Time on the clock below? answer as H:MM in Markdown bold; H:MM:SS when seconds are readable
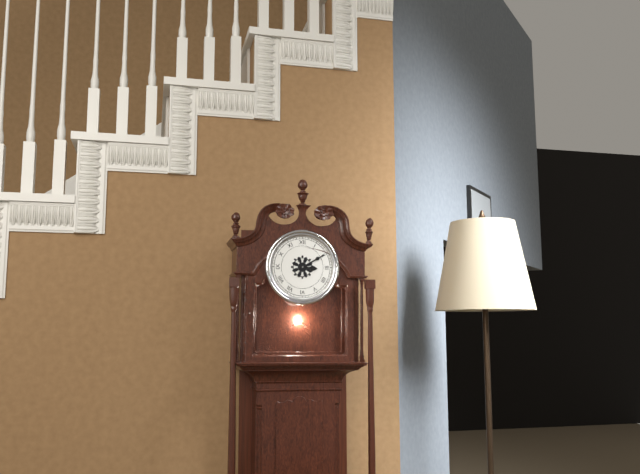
**3:10**
